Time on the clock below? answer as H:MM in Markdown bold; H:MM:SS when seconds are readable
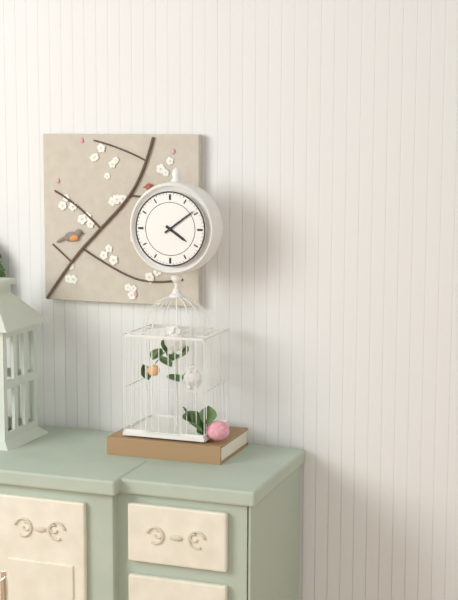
**4:09**
